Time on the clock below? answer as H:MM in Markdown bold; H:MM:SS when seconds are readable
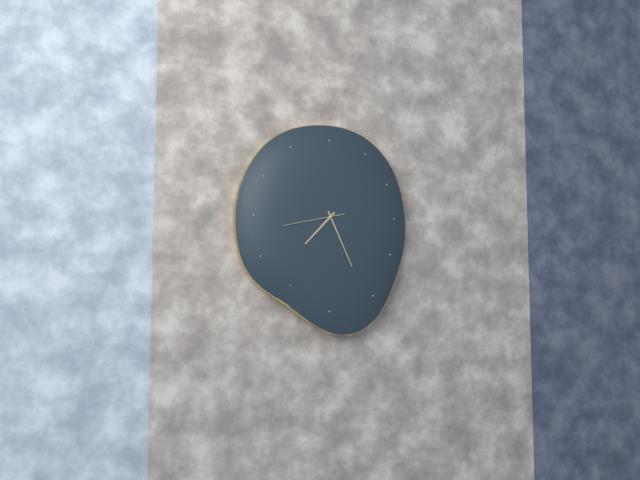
**7:26:43**
